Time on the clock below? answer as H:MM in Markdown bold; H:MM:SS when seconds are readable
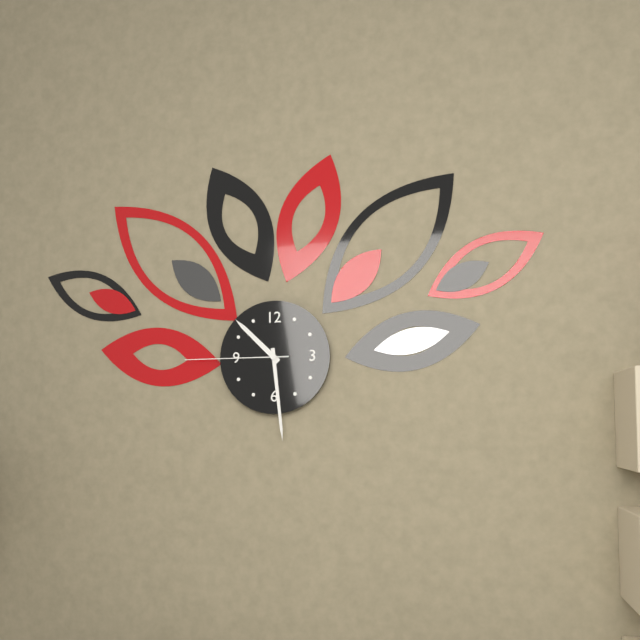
**10:29:45**
